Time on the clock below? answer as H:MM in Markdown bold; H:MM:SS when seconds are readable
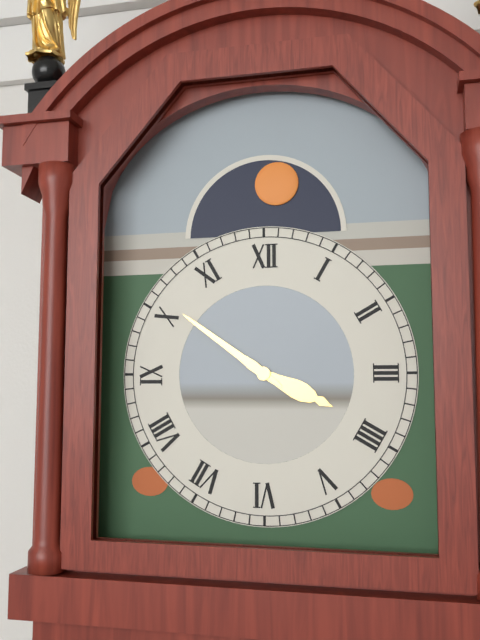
**3:51**
